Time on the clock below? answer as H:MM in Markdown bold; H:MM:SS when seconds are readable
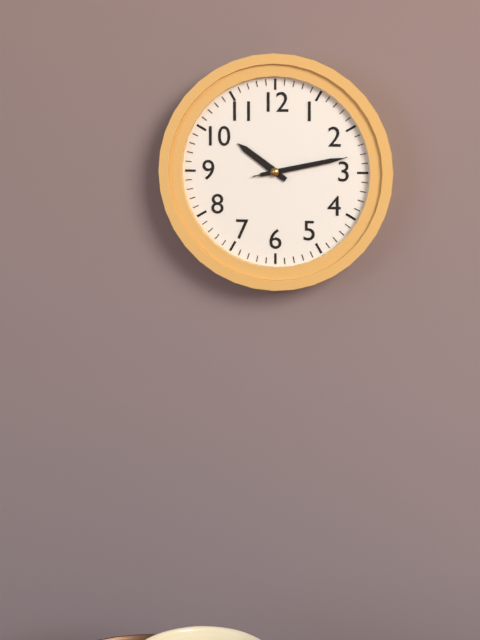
**10:13:13**
